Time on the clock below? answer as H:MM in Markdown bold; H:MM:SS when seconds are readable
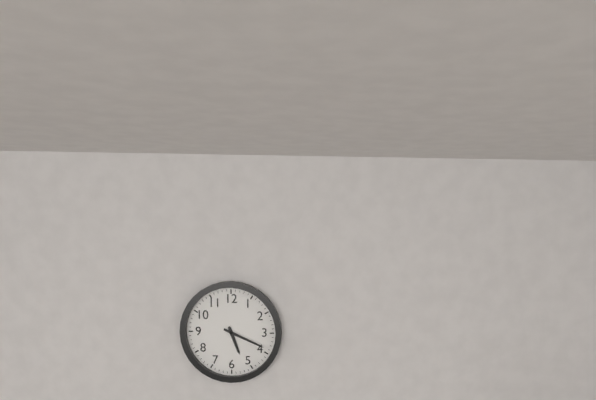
**5:19**
